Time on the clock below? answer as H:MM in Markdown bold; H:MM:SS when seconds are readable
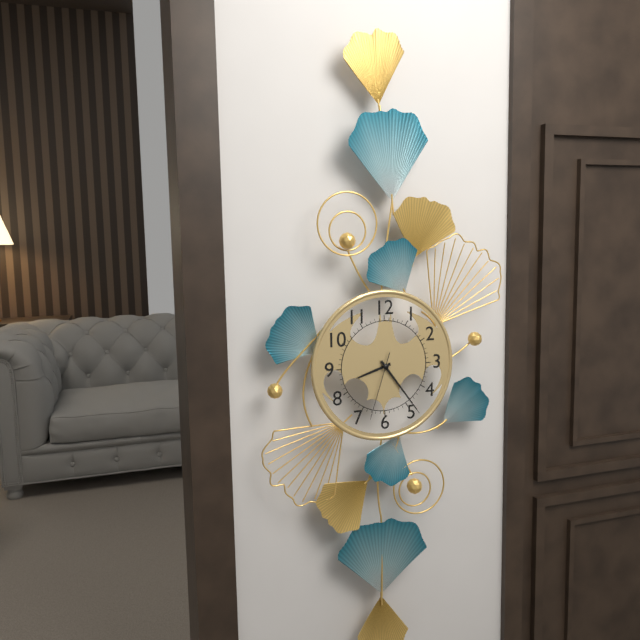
**8:24:33**
